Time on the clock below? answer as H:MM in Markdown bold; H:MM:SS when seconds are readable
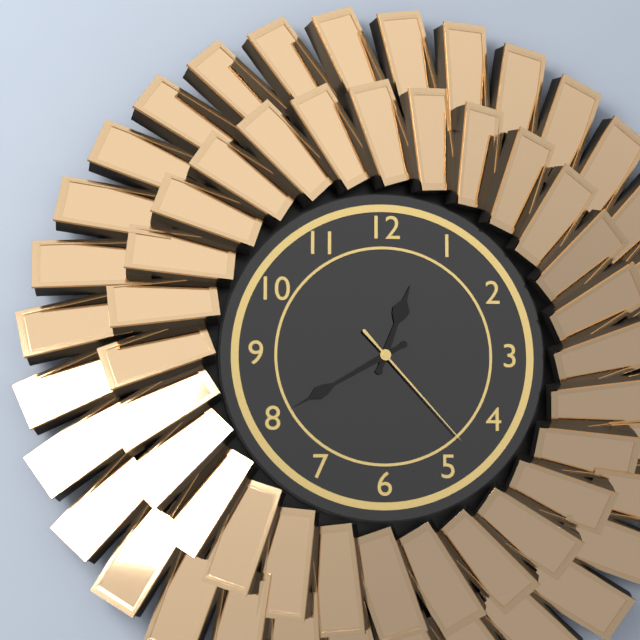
**12:40:23**
